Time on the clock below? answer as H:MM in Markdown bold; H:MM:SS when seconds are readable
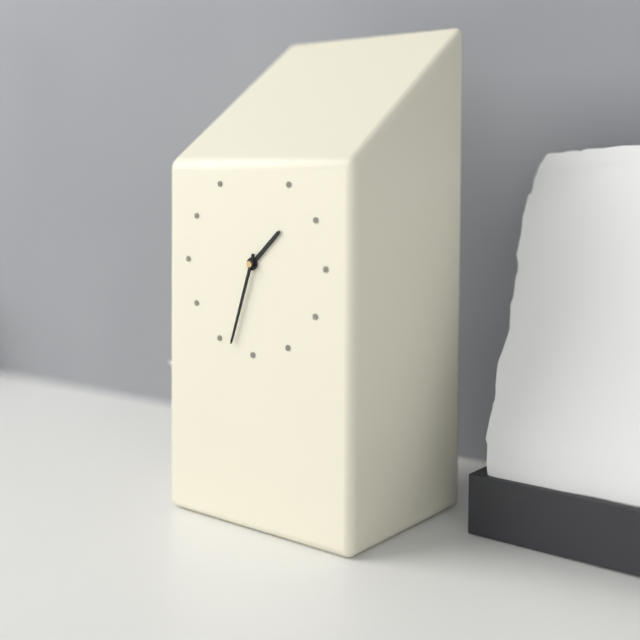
**1:33**
